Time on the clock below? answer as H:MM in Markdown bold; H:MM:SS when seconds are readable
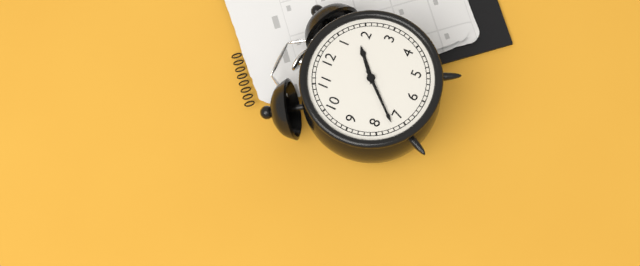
**1:37**
